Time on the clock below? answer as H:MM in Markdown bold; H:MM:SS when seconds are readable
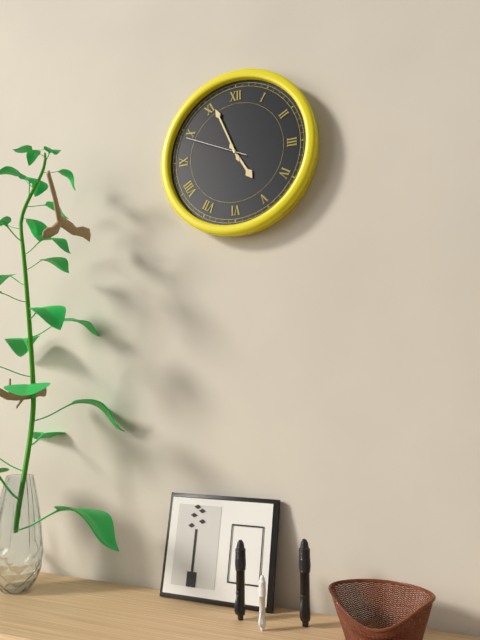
**4:56:49**
